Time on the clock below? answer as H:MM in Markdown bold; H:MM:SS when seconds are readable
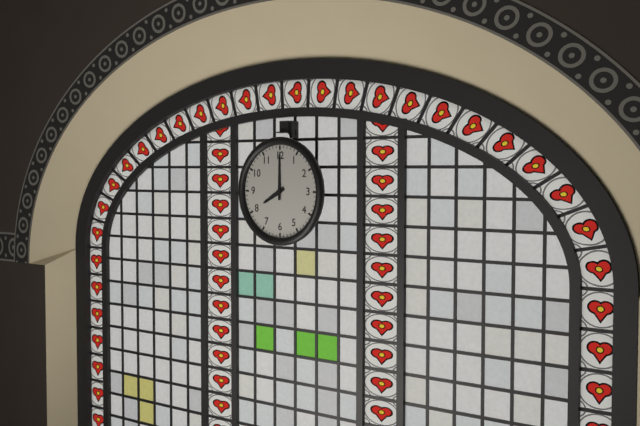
**8:00**
